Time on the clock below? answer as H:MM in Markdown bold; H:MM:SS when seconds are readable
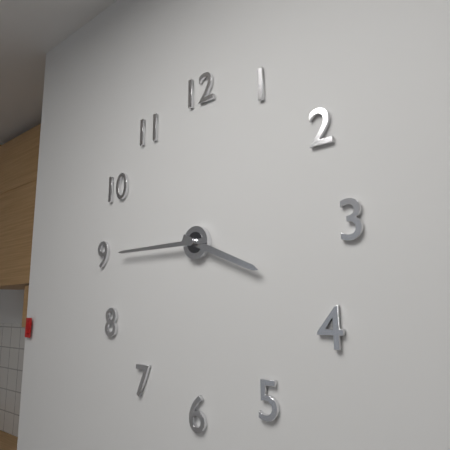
**3:45**
